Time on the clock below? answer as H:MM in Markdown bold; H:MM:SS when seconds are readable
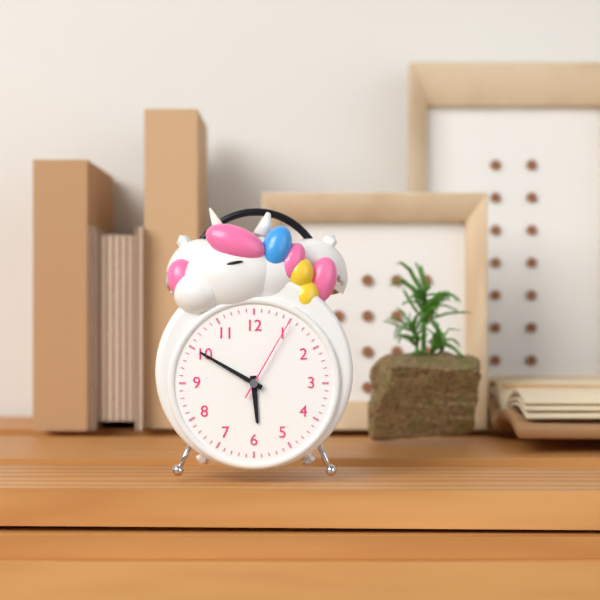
**5:50:05**
